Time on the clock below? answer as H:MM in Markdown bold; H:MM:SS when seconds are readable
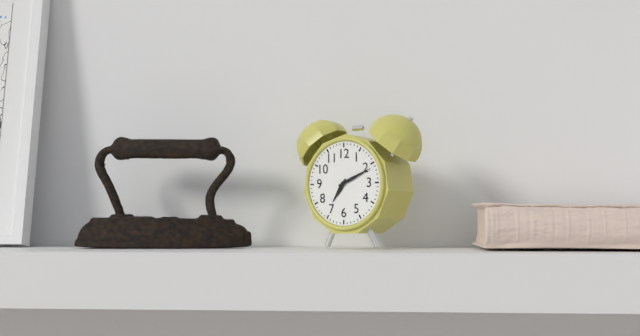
**7:11**
